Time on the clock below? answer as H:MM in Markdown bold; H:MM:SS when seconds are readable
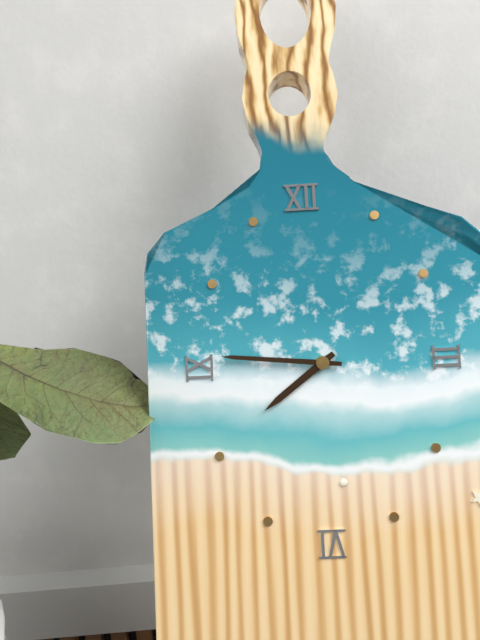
**7:46**
